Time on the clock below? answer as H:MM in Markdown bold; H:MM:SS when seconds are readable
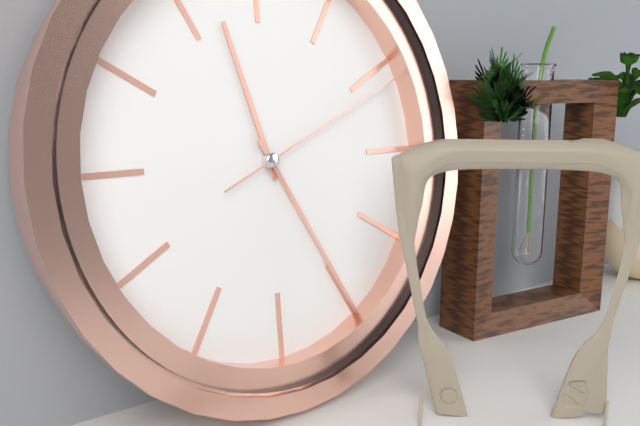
**11:25:11**
